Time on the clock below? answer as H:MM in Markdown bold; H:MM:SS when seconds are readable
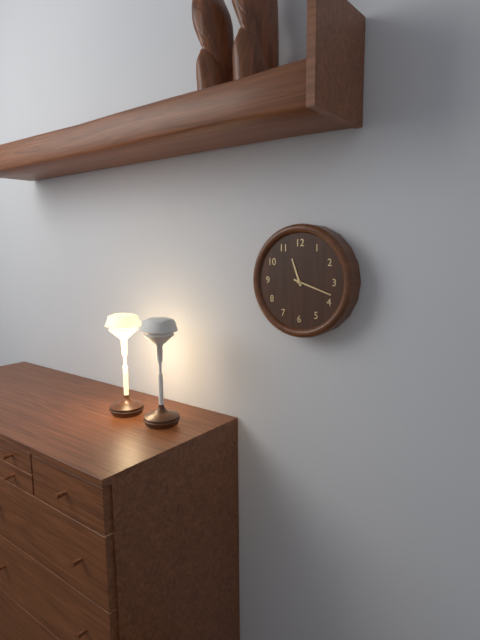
**11:18**
